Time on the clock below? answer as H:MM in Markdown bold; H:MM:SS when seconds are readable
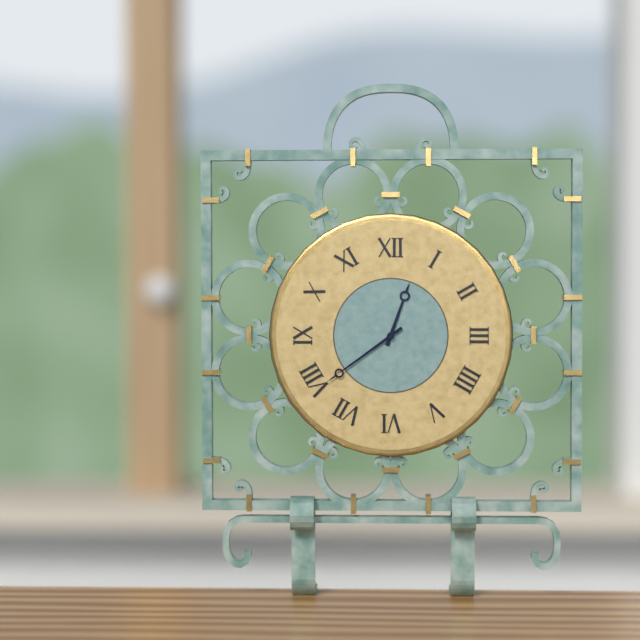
**12:39**
